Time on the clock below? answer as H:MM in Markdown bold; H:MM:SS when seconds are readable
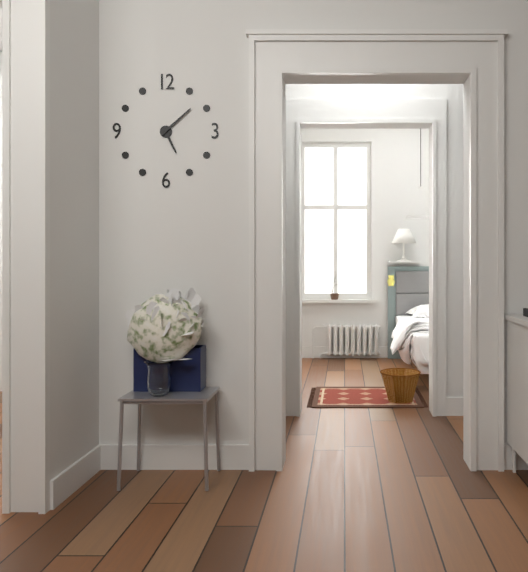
**5:08**
